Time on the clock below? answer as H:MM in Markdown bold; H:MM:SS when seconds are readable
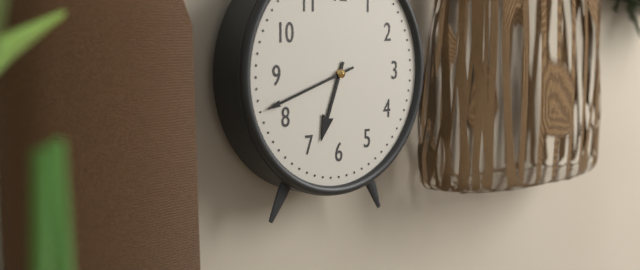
**6:42**
